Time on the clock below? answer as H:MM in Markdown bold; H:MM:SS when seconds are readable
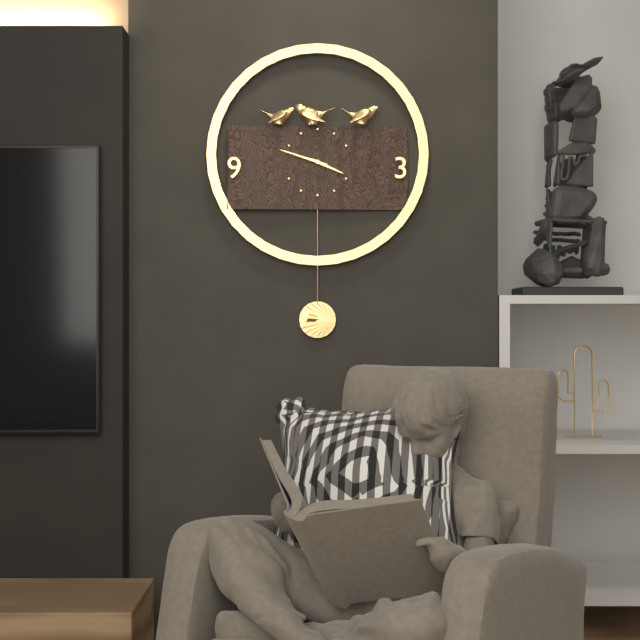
**3:48**
